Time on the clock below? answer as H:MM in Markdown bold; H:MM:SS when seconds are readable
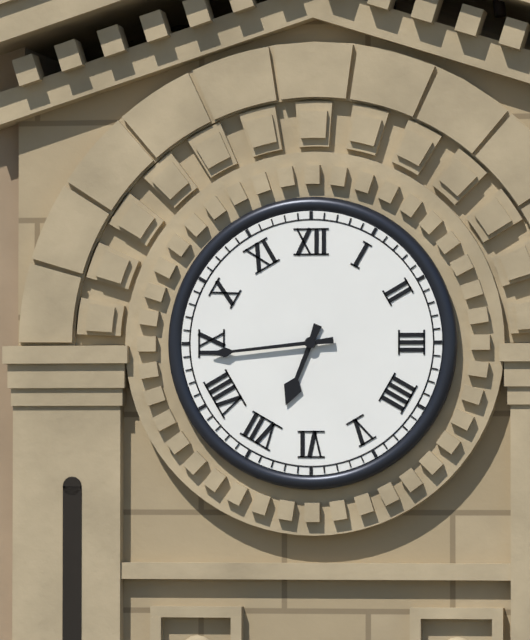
**6:44**
